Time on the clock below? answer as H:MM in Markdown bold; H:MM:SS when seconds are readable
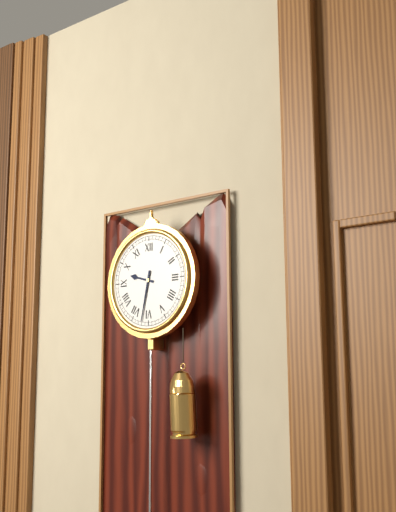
**9:32**
